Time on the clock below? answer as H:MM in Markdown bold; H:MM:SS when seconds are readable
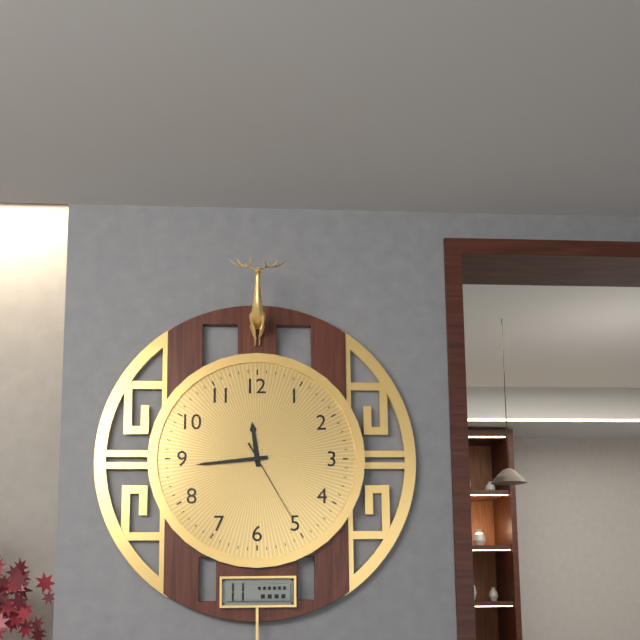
**11:44:25**
